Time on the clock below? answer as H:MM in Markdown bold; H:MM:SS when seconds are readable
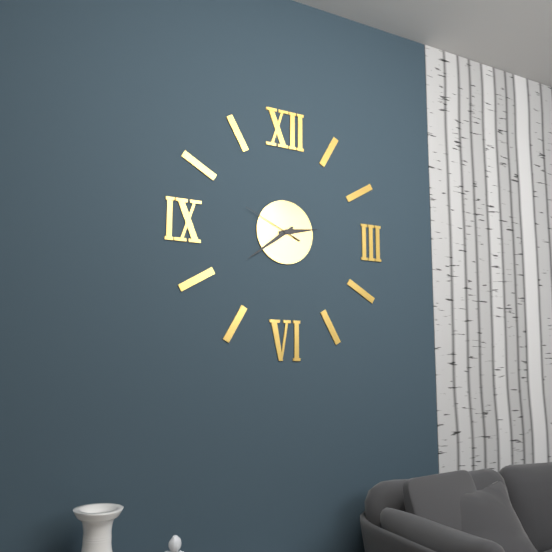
**2:39:49**
